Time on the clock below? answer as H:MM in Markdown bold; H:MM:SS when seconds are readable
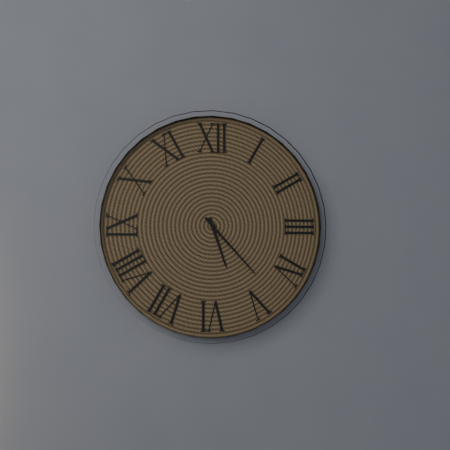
**5:23**
